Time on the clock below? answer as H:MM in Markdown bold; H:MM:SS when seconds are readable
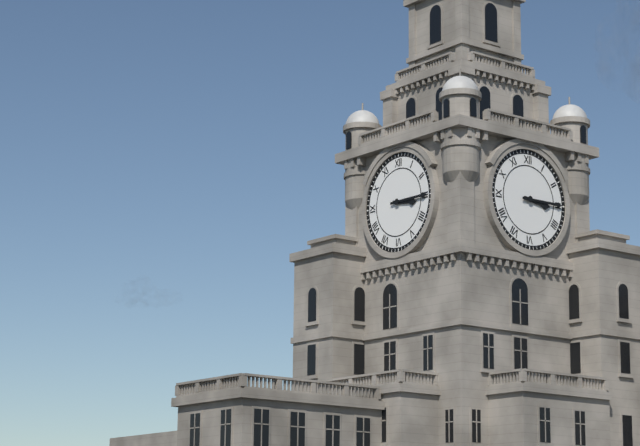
**3:15**
